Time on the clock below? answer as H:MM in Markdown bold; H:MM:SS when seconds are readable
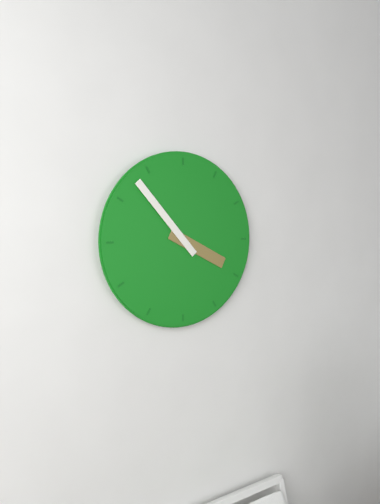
**3:53**
